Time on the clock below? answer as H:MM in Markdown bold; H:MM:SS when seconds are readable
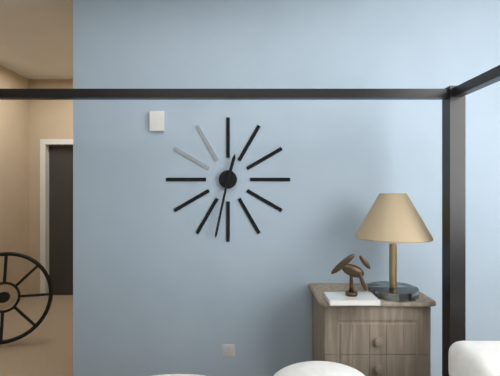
**12:32**
